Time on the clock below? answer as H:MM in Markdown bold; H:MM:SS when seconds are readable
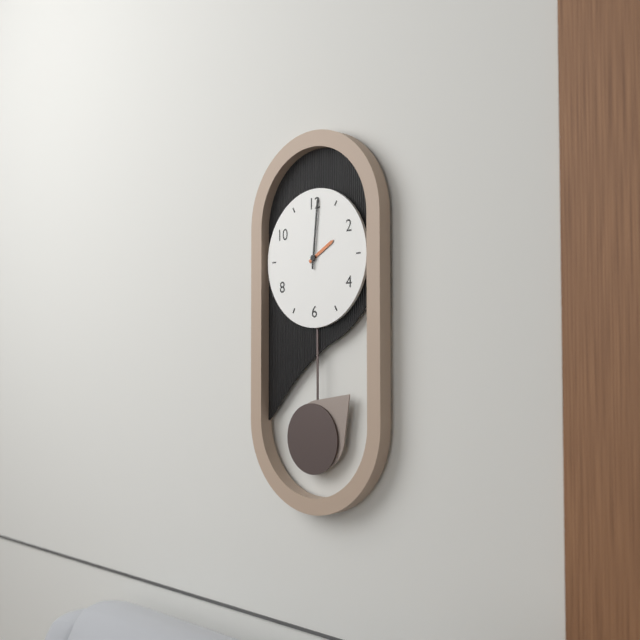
**2:01**
